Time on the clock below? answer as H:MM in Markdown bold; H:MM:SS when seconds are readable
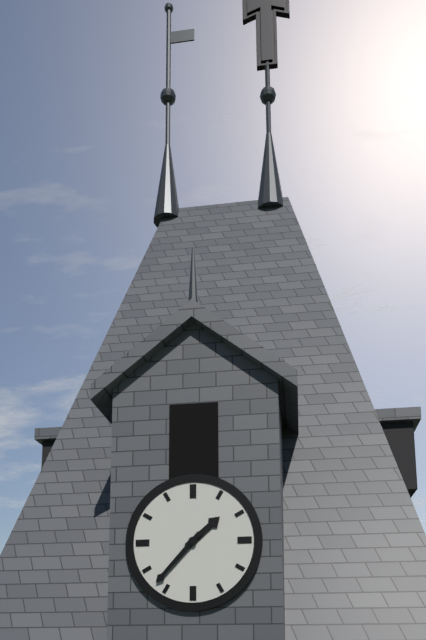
**1:37**
